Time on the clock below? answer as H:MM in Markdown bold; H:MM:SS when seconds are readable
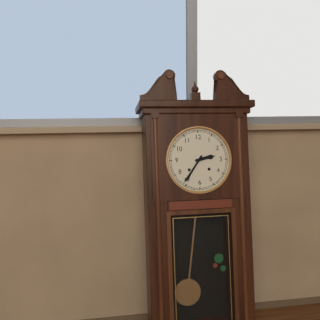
**2:36**
